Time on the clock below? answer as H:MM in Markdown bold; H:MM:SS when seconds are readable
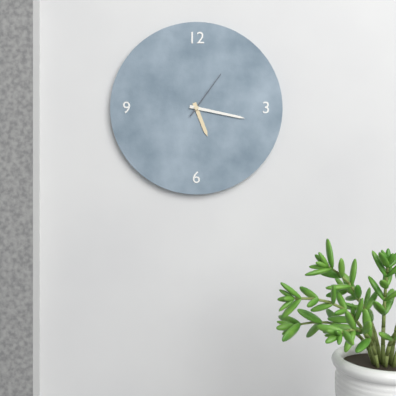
**5:17:06**
